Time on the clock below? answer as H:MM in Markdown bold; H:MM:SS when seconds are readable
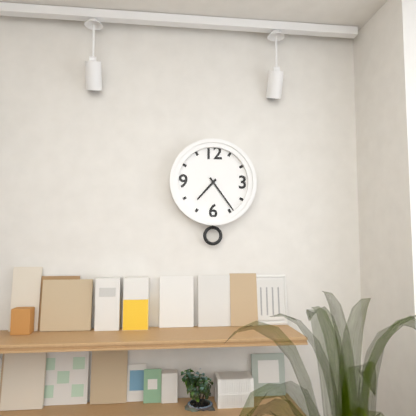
**7:24**
